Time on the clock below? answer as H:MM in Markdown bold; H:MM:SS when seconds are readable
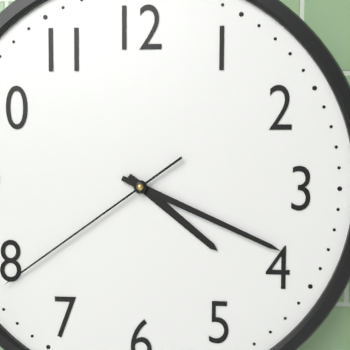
**4:19:39**
